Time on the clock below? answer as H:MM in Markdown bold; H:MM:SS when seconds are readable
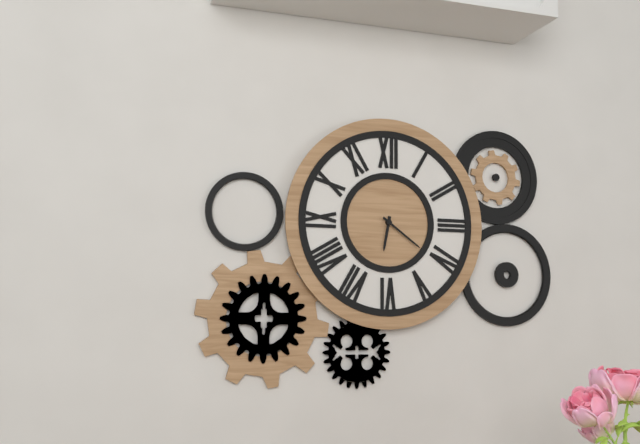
**6:21**
